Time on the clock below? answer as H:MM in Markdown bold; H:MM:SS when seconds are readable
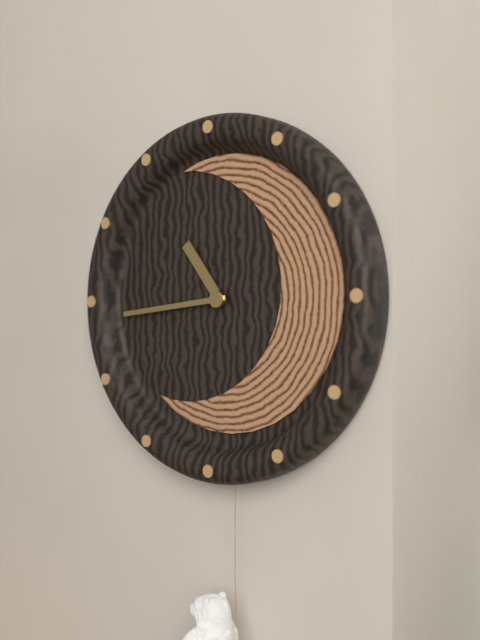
**10:44**
